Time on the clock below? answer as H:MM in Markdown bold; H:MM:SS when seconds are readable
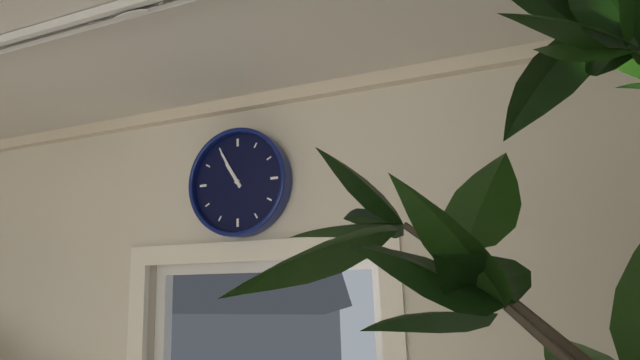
**10:55**
